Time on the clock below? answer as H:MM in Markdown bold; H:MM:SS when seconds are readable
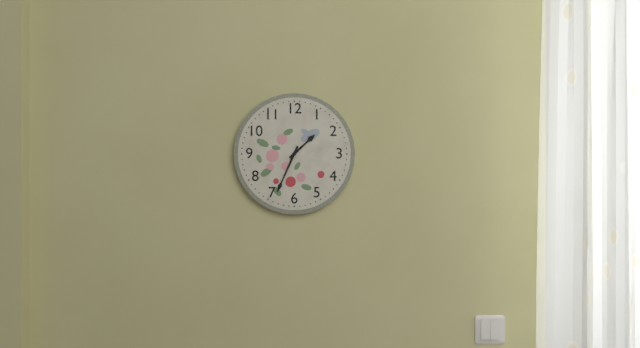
**1:34**
